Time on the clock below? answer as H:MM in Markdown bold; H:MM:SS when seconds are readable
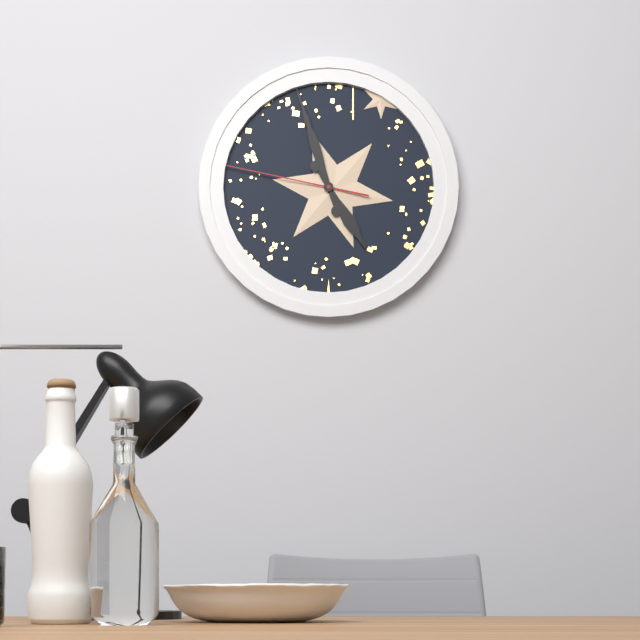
**4:57:47**
